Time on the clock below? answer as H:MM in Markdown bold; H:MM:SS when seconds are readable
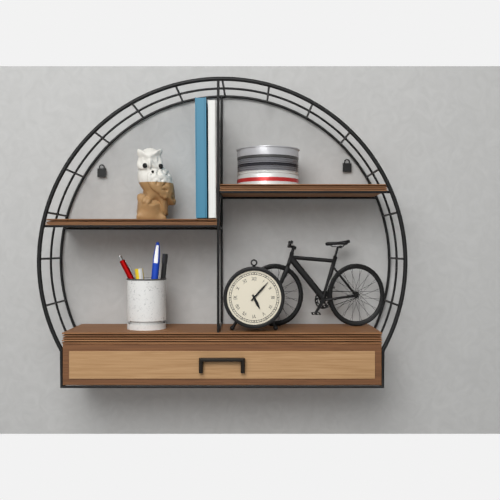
**5:07**
